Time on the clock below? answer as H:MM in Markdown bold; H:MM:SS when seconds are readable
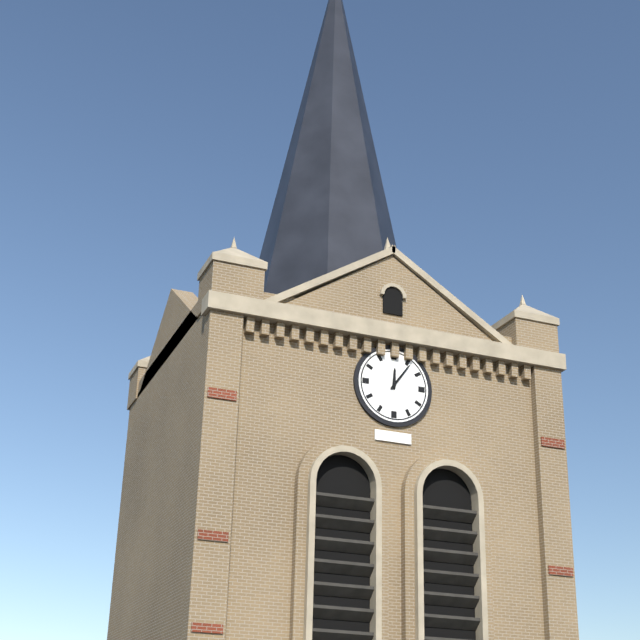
**12:06**
